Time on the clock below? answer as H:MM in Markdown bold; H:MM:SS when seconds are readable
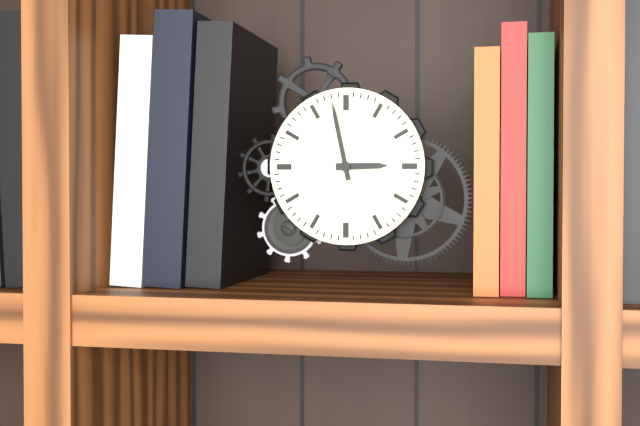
**2:58**
